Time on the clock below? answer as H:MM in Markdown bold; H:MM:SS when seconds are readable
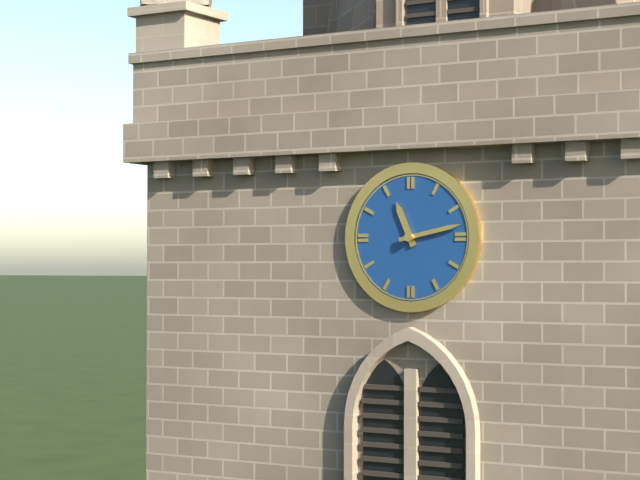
**11:13**
